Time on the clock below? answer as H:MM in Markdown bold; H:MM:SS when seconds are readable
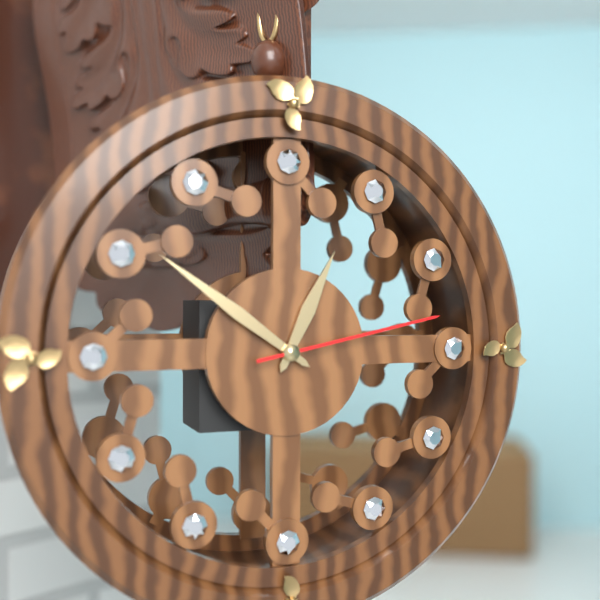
**12:51:13**
